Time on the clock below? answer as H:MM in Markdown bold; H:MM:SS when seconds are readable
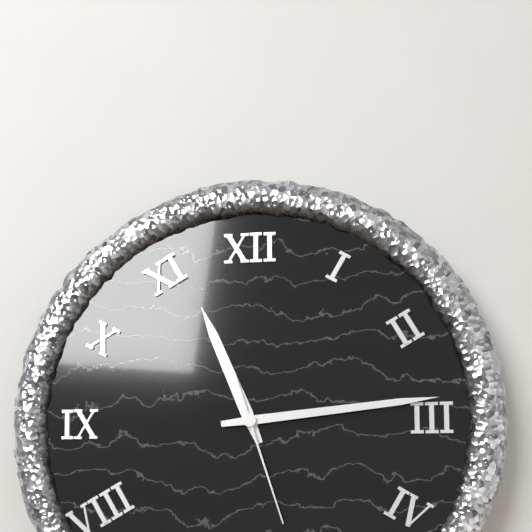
**11:14:27**
